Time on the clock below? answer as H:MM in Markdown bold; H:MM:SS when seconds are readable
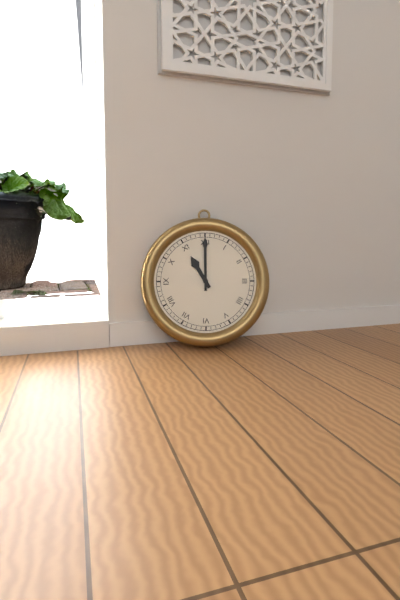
**11:00**
